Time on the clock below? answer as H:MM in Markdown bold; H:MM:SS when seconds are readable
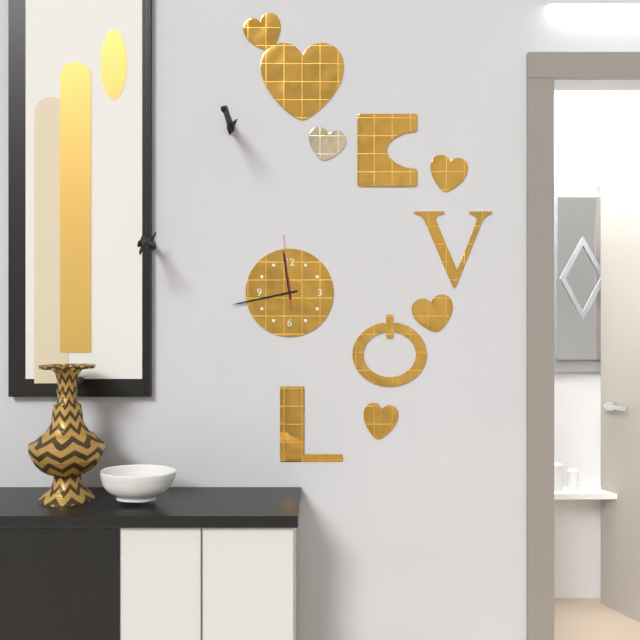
**11:43:59**
